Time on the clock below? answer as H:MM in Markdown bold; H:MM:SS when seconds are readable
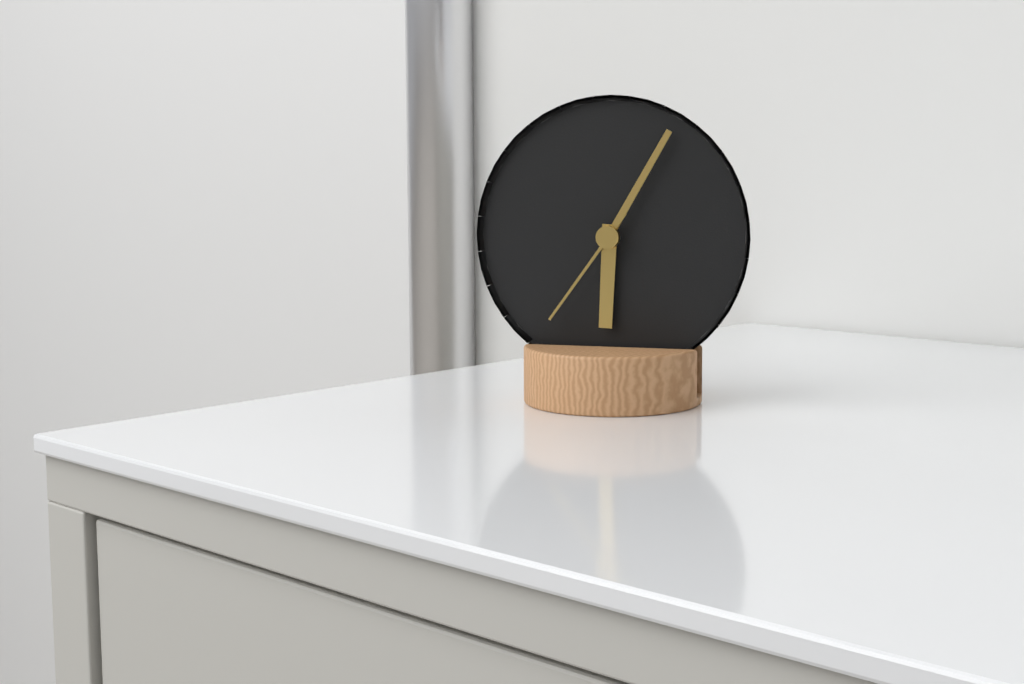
**6:05:36**
